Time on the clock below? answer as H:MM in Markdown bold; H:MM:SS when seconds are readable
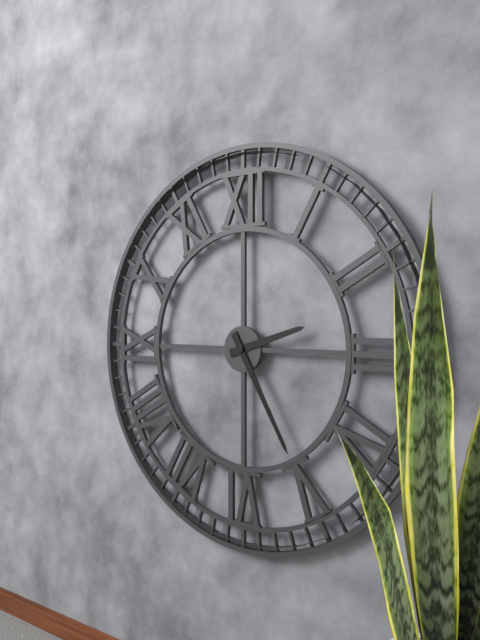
**2:25**
